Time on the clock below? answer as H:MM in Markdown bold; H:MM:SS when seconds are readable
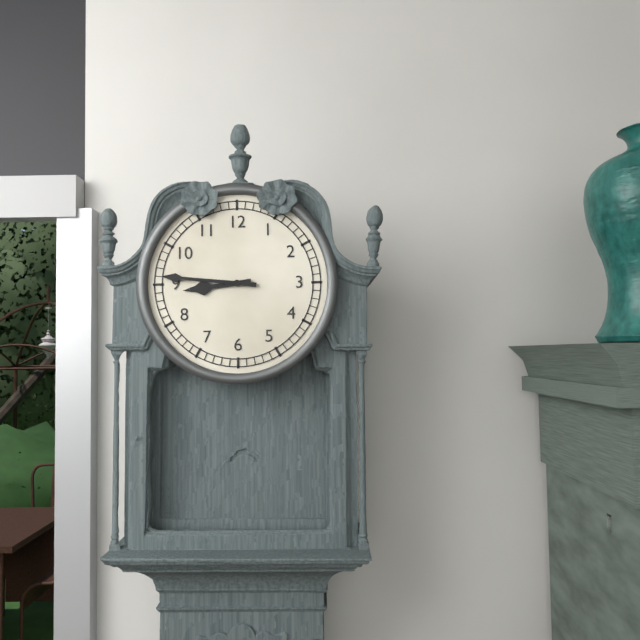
**8:46**
